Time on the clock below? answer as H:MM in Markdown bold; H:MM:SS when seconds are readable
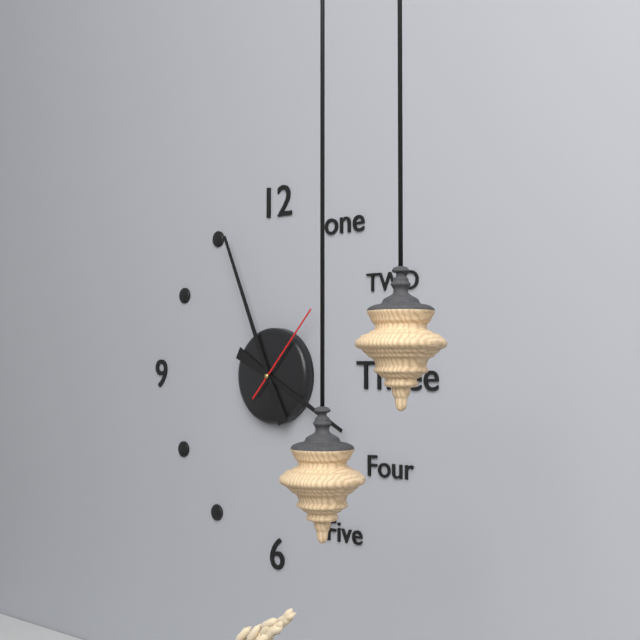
**3:56:07**
